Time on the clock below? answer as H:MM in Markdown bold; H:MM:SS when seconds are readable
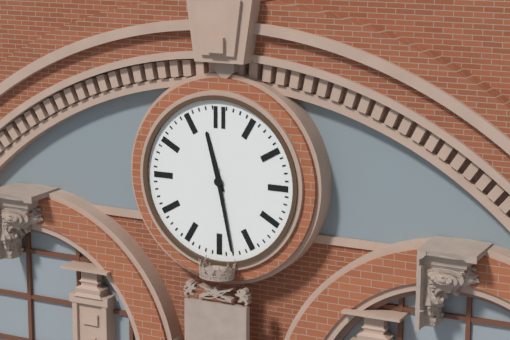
**11:28**
